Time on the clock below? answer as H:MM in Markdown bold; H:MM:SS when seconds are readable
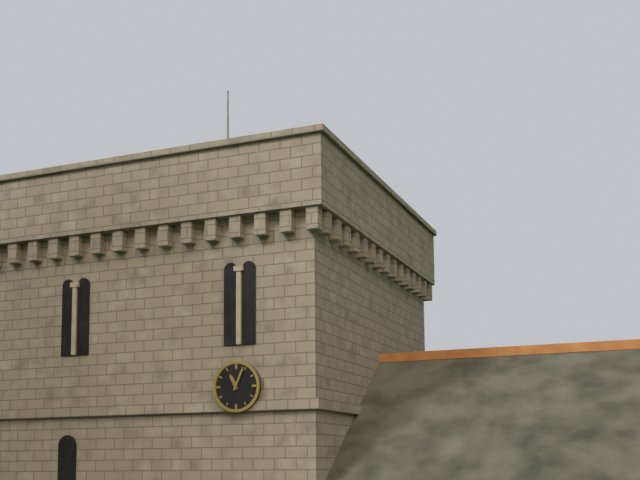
**11:04**
